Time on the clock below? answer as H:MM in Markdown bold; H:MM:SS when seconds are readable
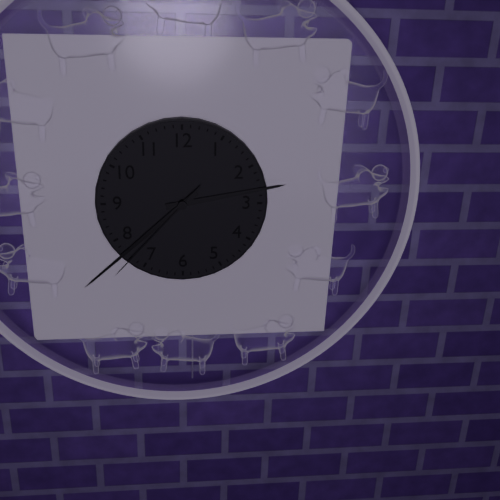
**2:38:37**
